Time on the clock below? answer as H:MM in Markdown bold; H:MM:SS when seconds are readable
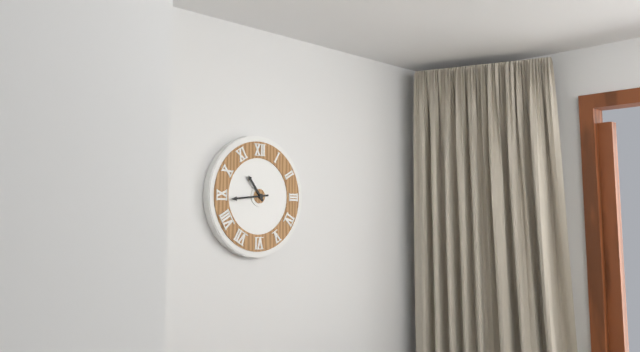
**10:44**
